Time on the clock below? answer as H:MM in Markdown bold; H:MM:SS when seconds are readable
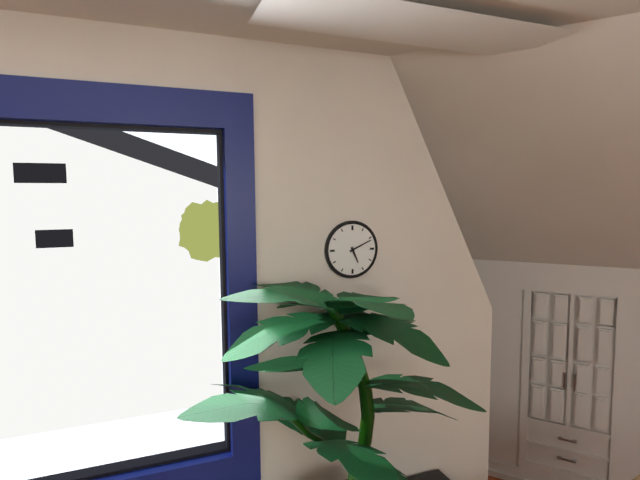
**5:11**
